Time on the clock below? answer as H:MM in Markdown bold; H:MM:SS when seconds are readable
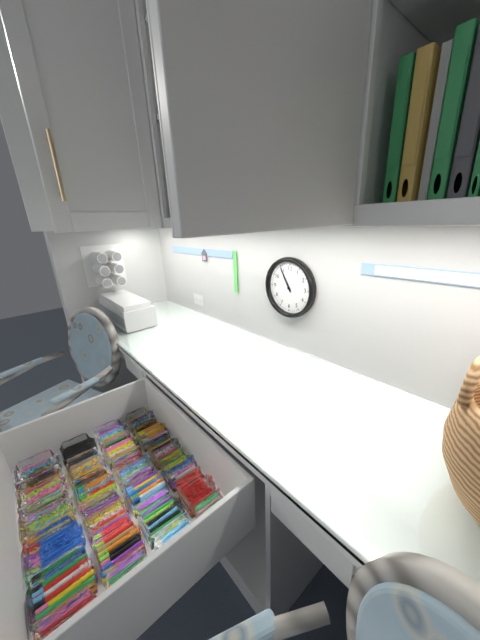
**10:55**
